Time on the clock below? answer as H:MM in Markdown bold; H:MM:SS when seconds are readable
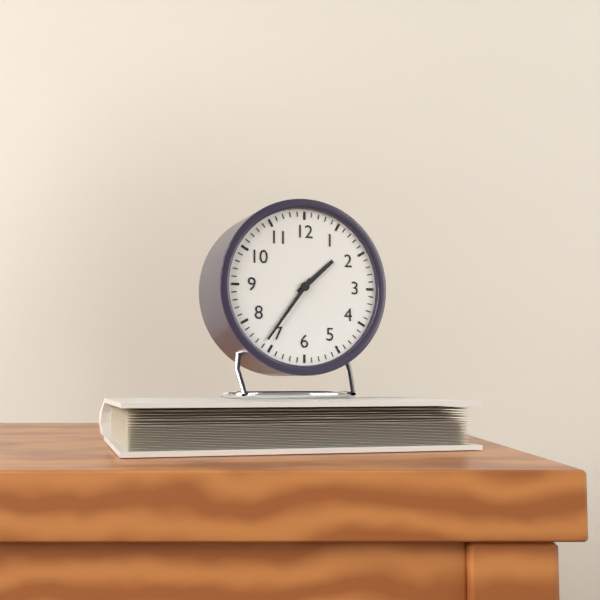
**1:36**
